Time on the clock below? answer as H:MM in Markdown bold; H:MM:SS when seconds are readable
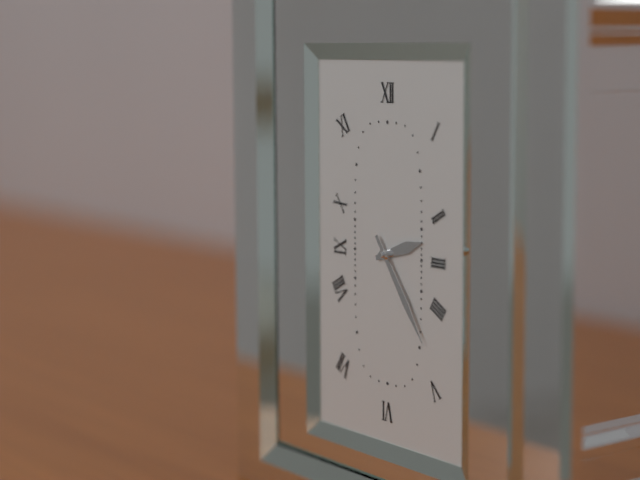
**2:24**
